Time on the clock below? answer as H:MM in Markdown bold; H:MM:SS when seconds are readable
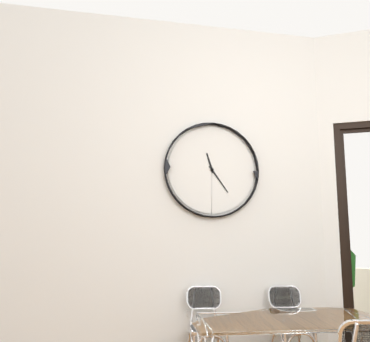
**11:24**
